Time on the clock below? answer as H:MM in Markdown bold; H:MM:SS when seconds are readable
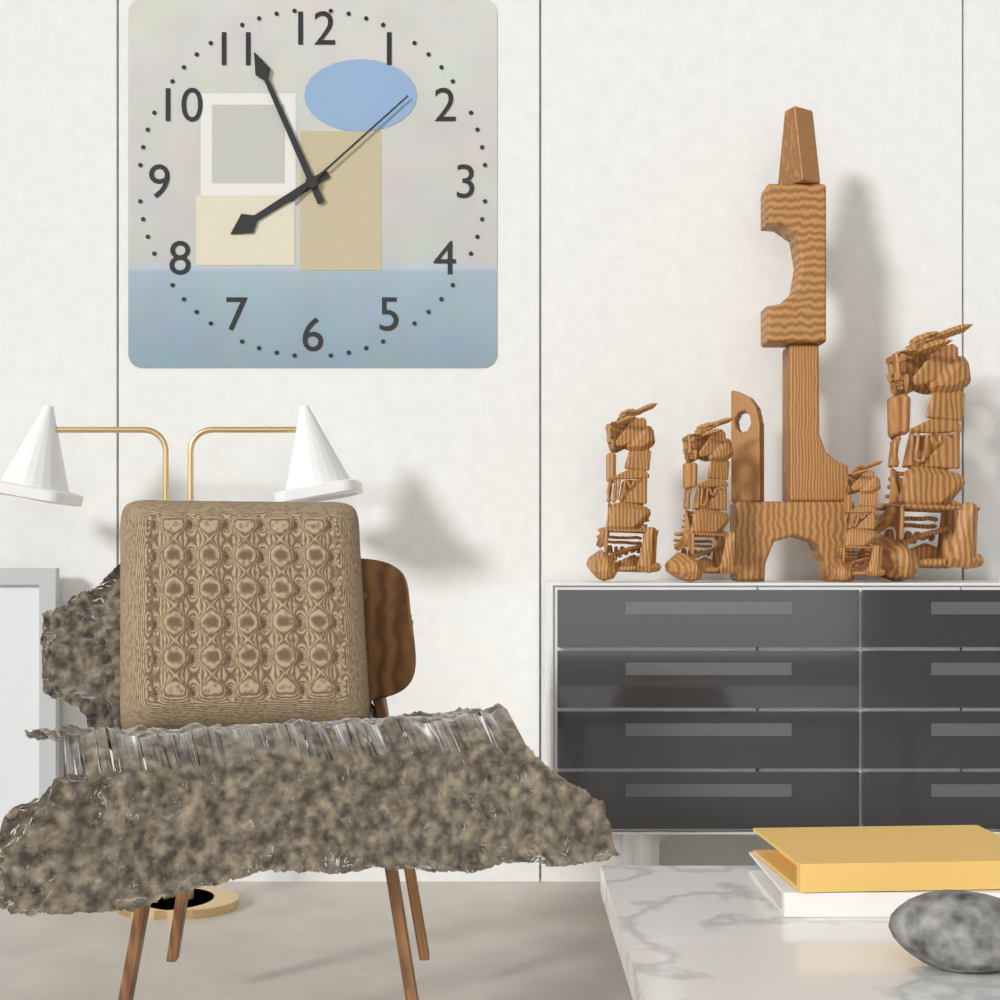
**7:56:08**
